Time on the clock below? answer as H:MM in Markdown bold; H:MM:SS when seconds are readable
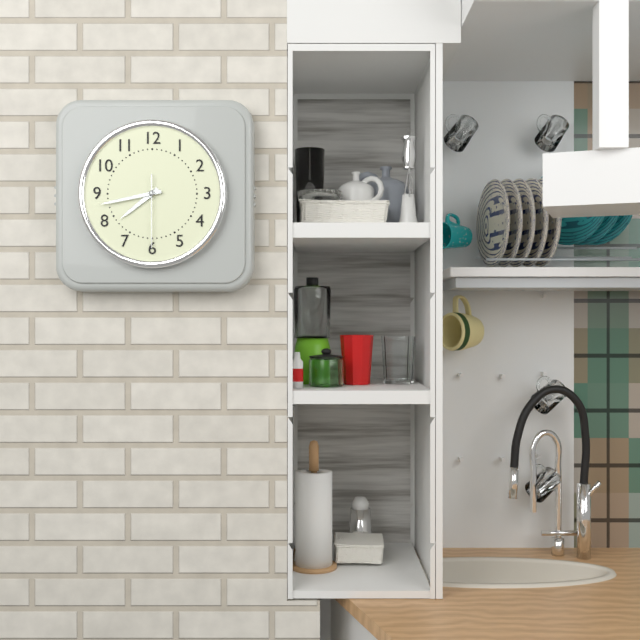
**7:43:30**
